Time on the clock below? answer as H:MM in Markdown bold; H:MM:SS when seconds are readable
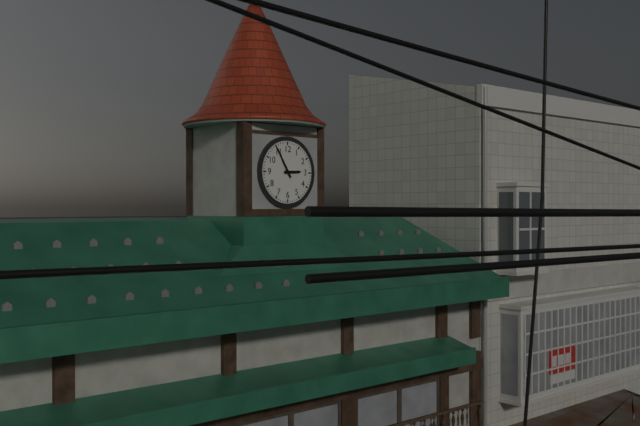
**2:55**
